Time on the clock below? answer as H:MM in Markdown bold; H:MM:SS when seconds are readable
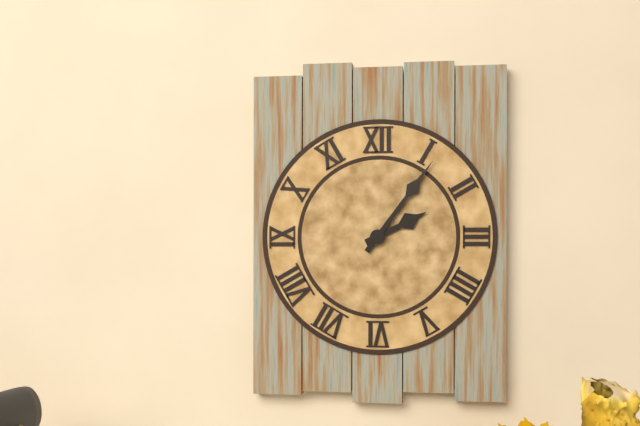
**2:06**
